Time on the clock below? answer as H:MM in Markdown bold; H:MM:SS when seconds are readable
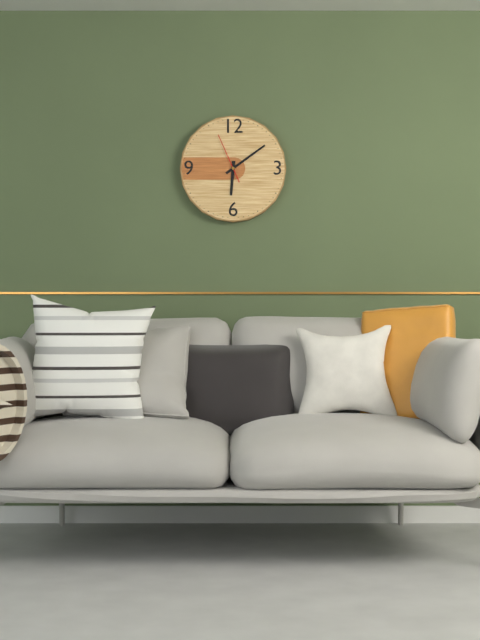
**6:09**
